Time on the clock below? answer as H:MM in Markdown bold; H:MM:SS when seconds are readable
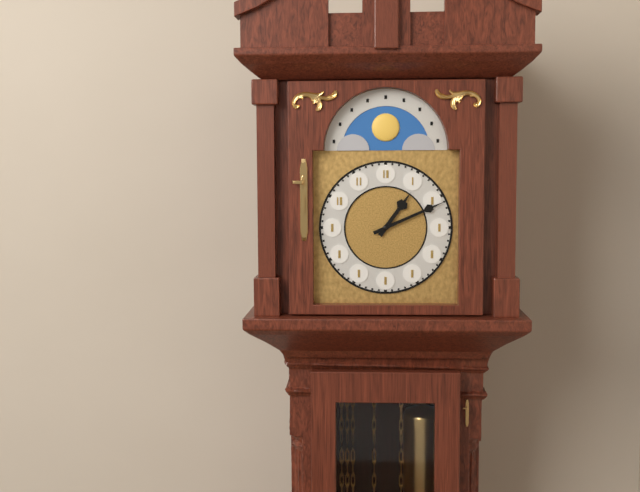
**1:11**
